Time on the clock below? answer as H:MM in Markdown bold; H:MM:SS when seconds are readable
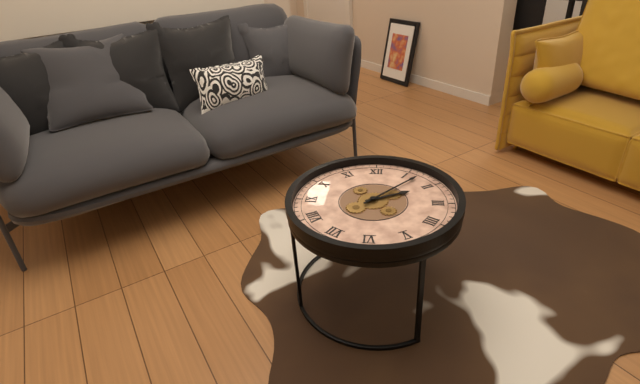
**2:07**
